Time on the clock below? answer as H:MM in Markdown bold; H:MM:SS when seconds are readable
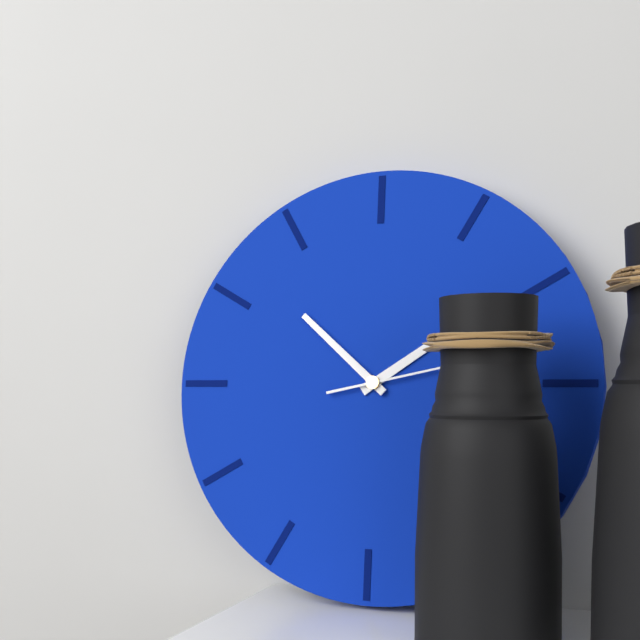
**1:52**
